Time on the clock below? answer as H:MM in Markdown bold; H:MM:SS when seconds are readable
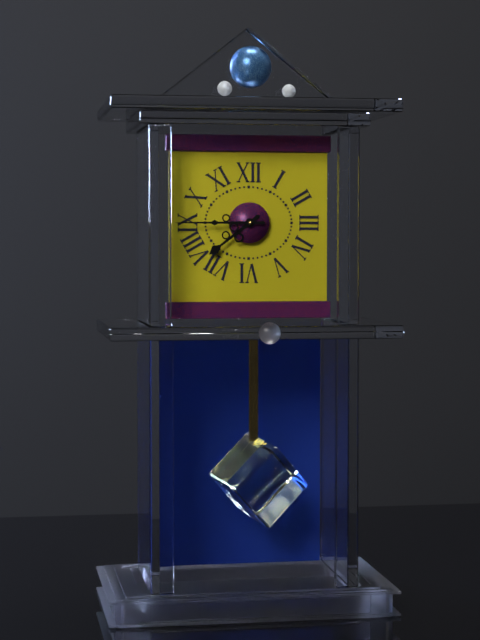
**7:45**
